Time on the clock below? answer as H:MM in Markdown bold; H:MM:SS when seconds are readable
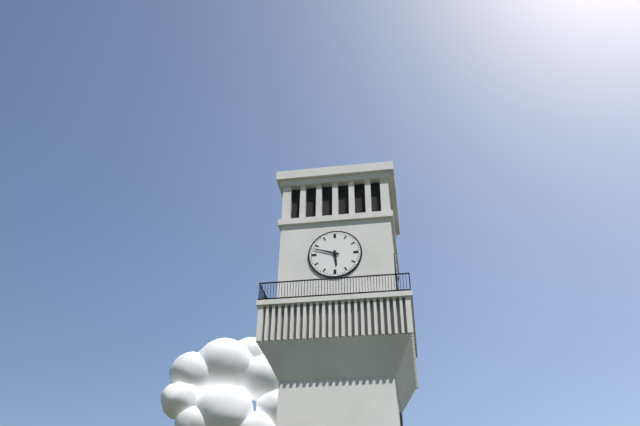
**5:48**
